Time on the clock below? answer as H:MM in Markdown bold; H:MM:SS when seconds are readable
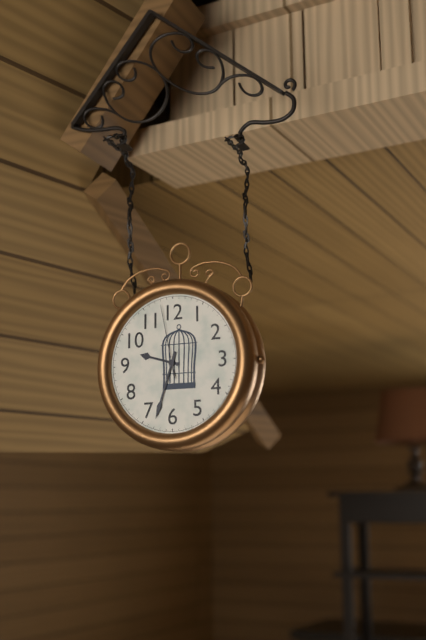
**9:33:58**
